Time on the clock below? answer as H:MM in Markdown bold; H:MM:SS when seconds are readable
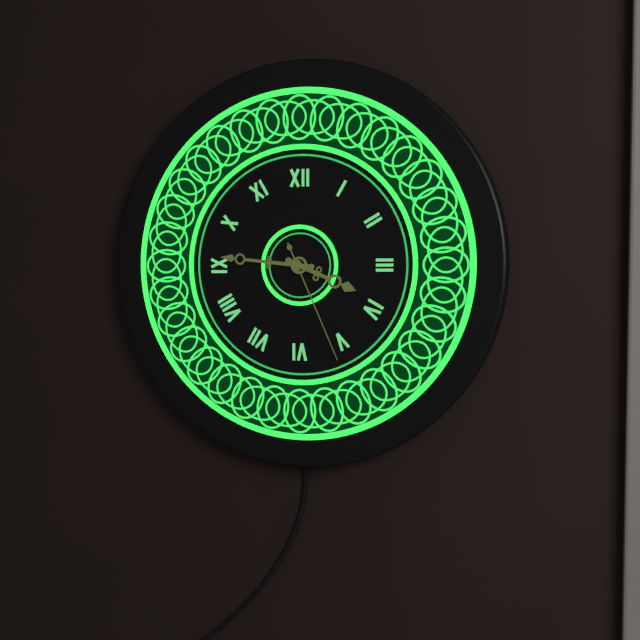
**3:46:26**
